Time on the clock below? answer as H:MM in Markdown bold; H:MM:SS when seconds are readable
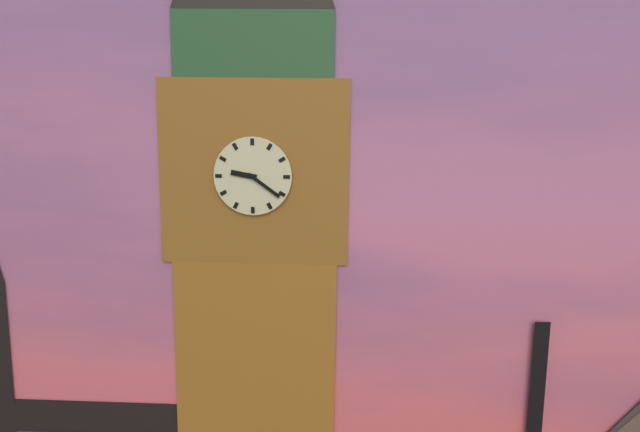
**9:21**
